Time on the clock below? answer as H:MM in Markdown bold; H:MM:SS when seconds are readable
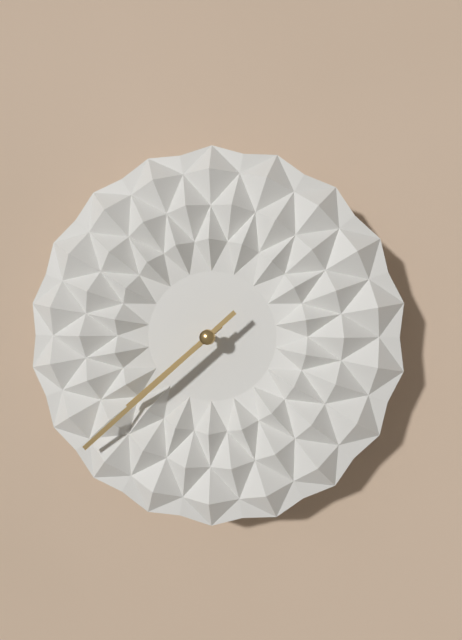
**7:38**
